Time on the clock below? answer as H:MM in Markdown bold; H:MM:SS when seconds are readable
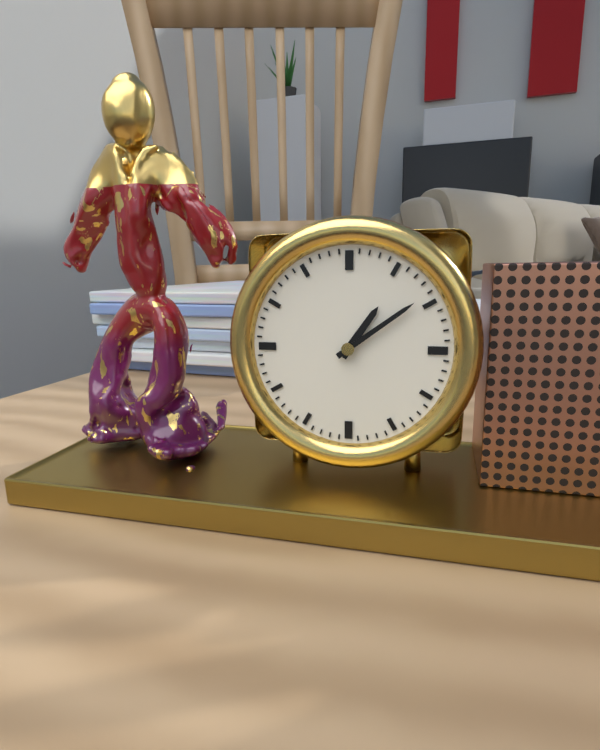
**1:09**
